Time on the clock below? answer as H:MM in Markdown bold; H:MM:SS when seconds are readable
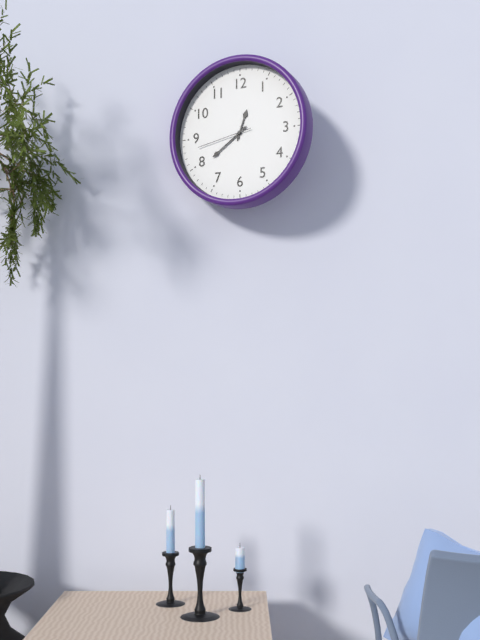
**12:39:43**
